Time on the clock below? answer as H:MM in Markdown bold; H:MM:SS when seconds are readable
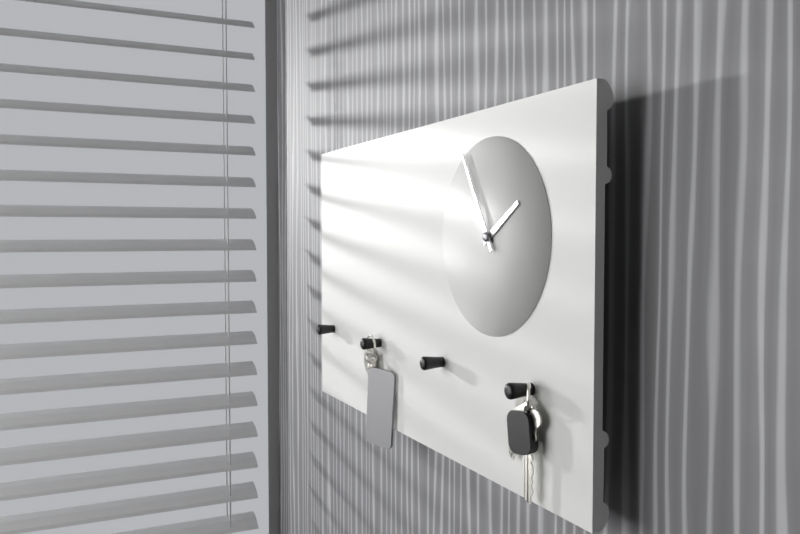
**1:55**
